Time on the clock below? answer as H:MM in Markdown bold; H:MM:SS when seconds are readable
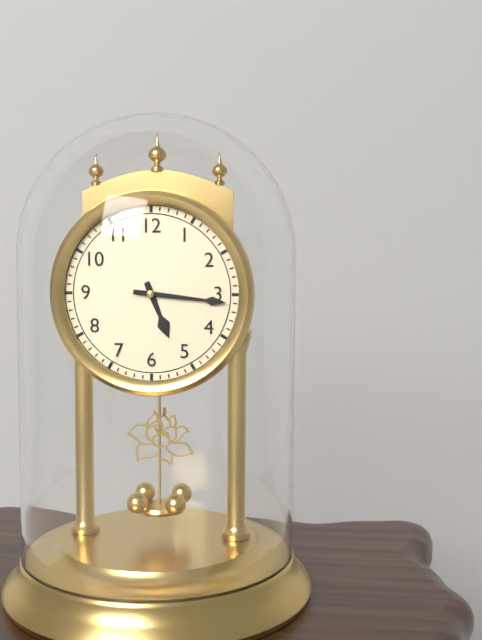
**5:16**
